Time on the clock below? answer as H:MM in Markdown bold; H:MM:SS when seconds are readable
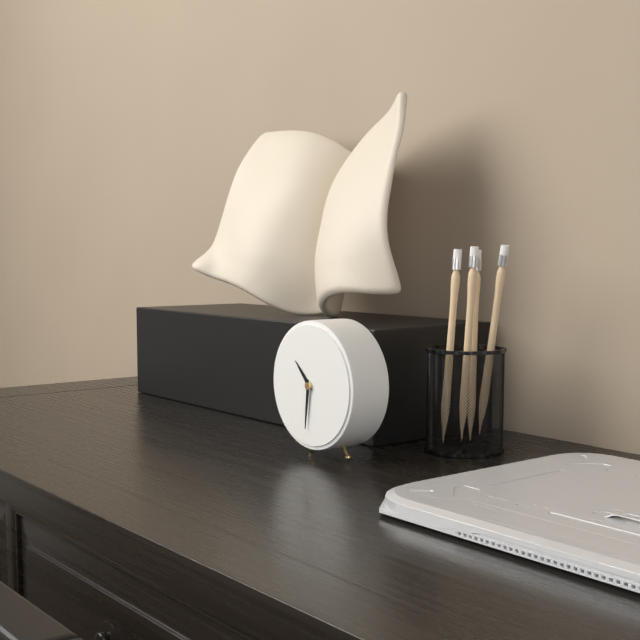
**10:31**
